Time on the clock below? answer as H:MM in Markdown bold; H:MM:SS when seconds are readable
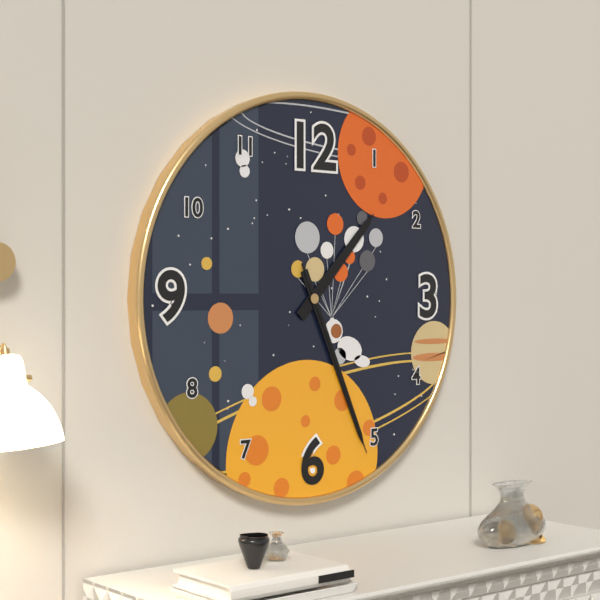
**1:26:26**
